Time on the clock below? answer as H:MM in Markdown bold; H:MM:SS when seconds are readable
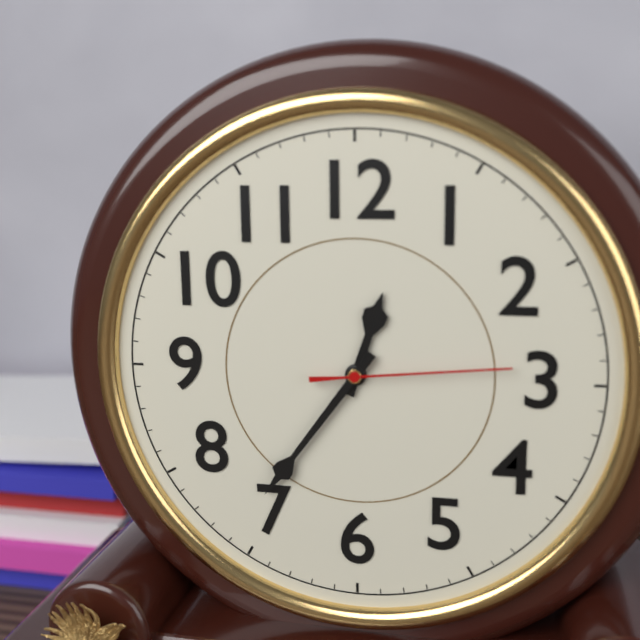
**12:36:14**
